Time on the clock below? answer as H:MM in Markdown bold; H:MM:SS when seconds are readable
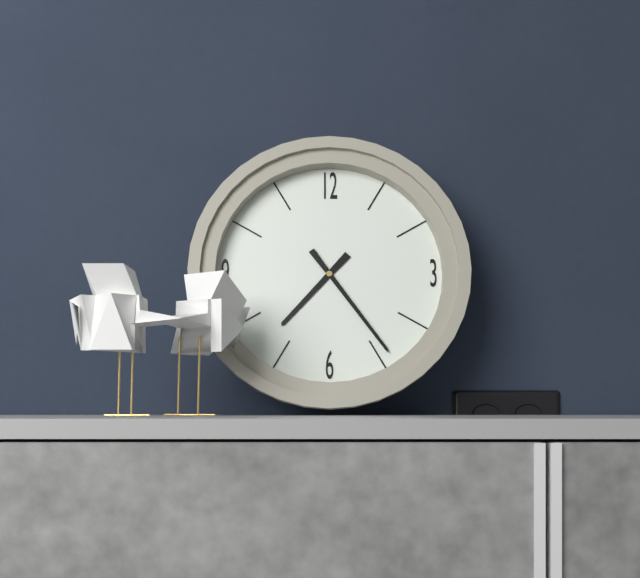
**7:24**
